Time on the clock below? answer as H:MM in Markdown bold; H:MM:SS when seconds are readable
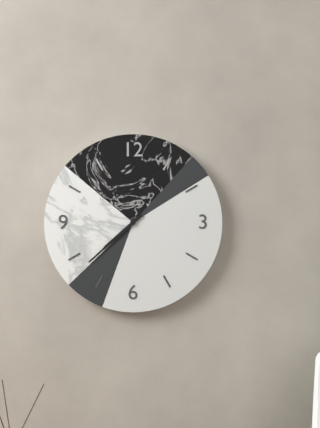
**7:38**
